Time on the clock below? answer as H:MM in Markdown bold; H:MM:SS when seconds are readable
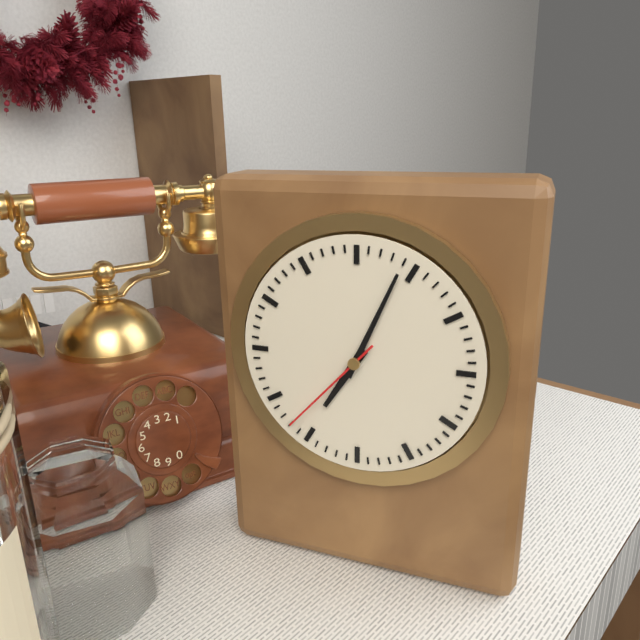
**7:04:37**
